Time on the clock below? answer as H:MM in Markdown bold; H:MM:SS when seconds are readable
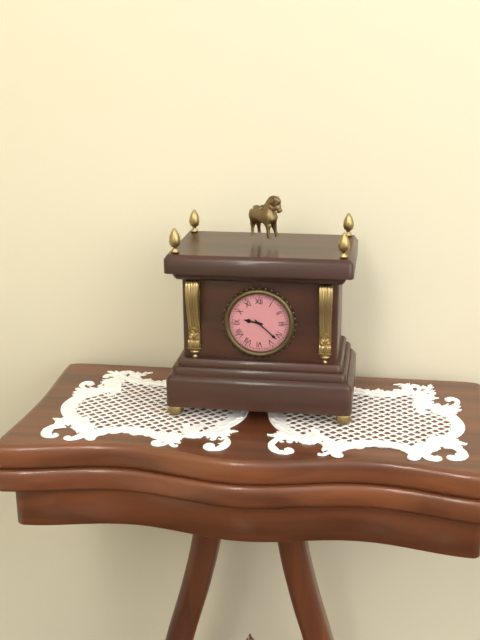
**9:22**
